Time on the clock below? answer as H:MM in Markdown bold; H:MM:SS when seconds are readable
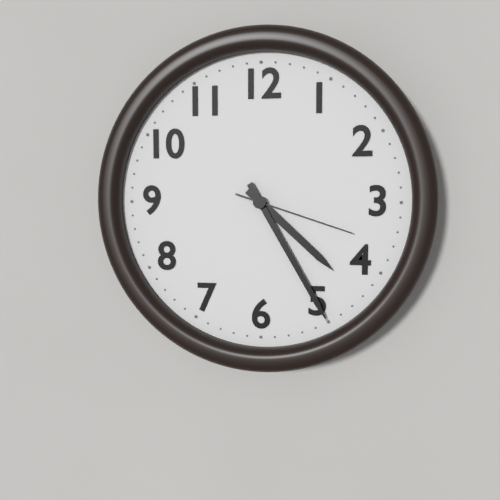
**4:25:18**
